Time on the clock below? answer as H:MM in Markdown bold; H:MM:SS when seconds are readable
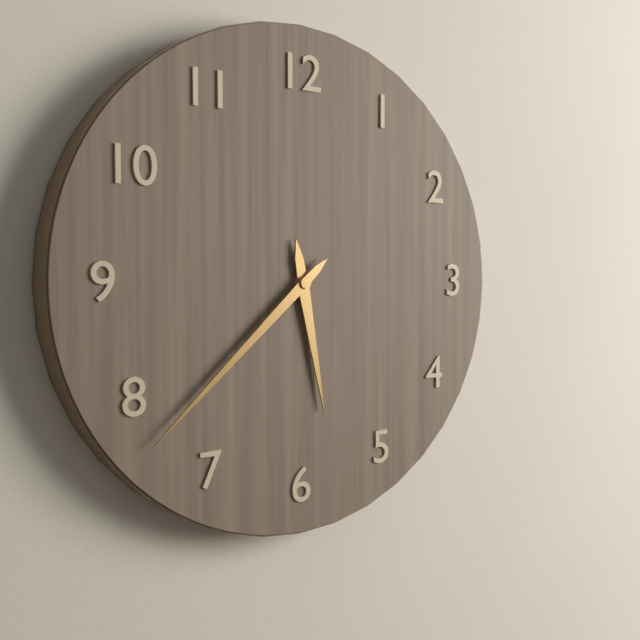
**5:38**
